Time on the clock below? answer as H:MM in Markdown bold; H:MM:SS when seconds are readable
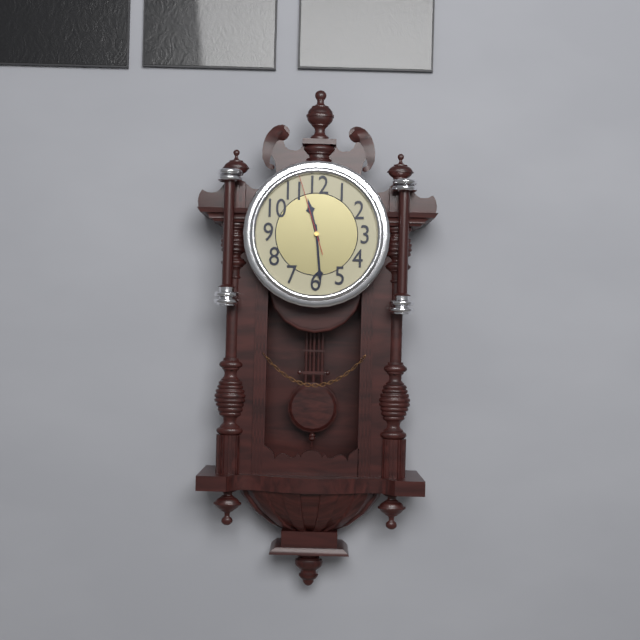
**11:29:57**
